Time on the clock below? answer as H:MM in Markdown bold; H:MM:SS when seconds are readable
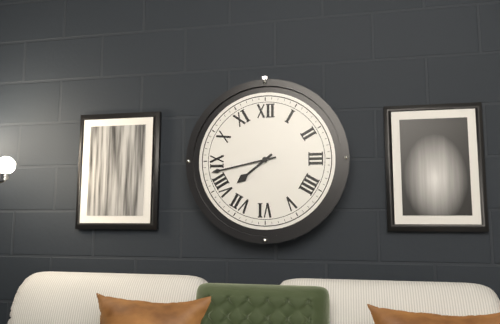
**7:43**
